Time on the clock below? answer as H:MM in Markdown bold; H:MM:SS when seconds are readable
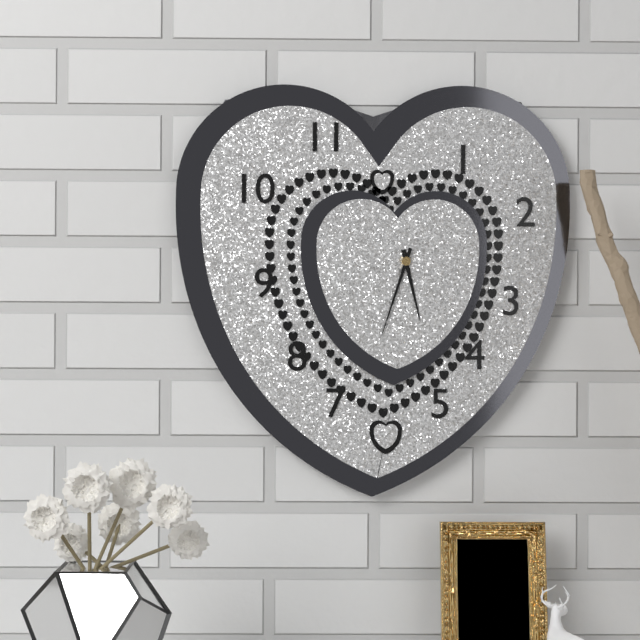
**5:33**
